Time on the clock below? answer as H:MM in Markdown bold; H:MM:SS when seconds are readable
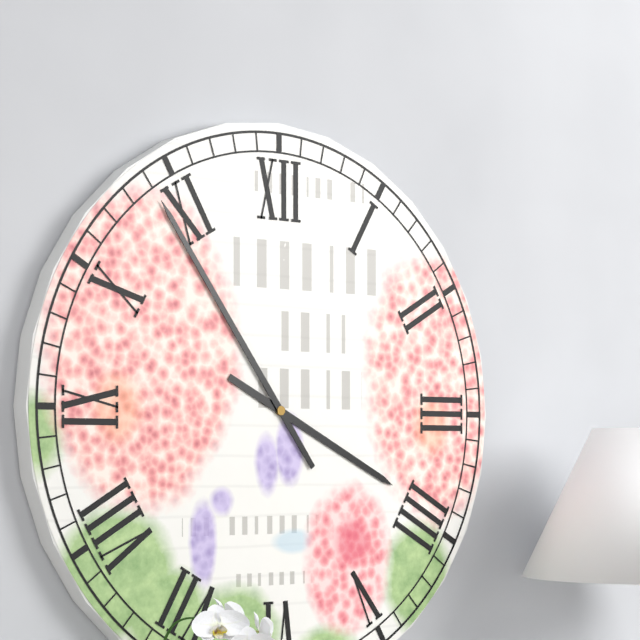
**3:54**
